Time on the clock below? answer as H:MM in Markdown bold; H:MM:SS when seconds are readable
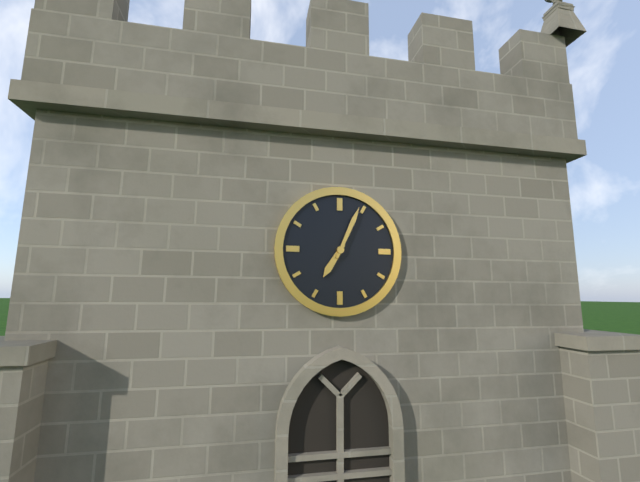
**7:04**
